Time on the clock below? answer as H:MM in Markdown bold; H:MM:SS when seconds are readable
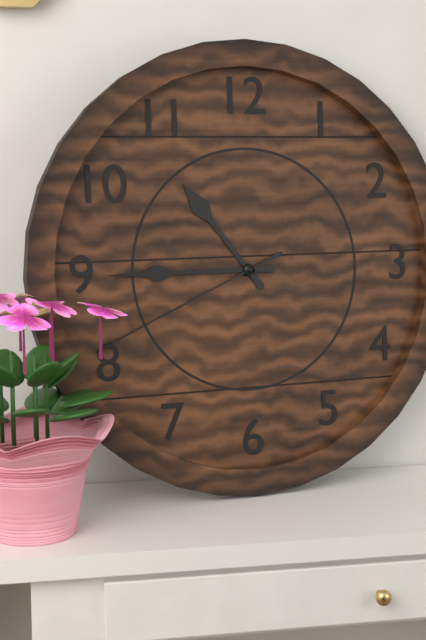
**10:45:41**
